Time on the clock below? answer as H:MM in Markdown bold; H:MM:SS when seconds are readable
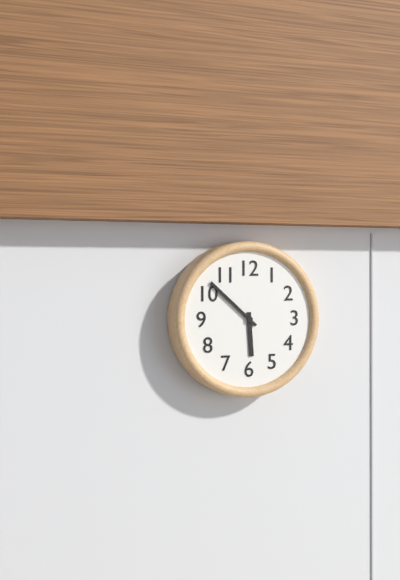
**5:52**
